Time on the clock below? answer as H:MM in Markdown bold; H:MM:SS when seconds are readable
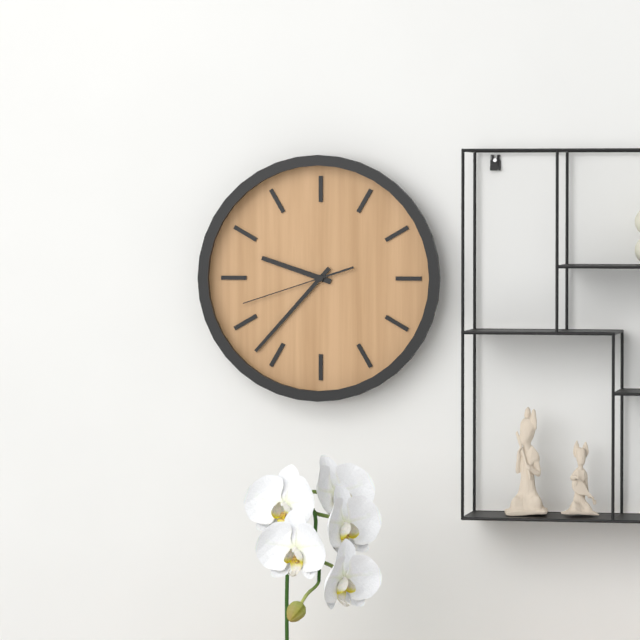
**9:37:42**
